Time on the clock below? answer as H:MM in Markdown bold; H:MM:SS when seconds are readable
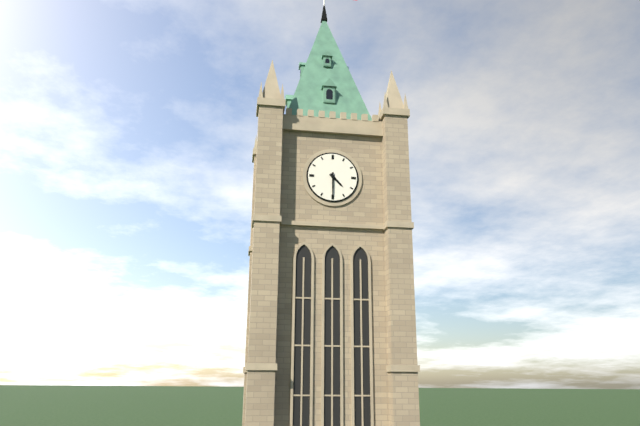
**4:30**
